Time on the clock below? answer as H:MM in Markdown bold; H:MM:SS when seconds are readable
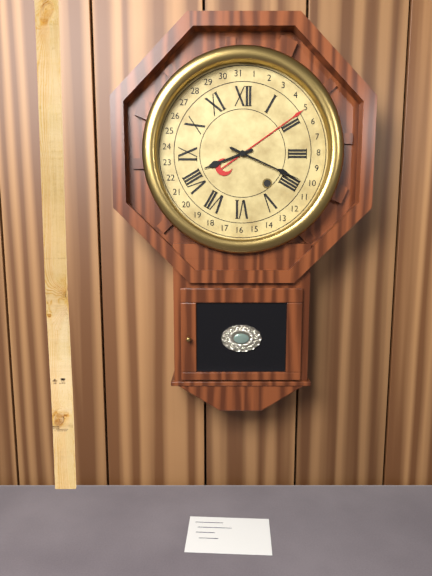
**8:19**
